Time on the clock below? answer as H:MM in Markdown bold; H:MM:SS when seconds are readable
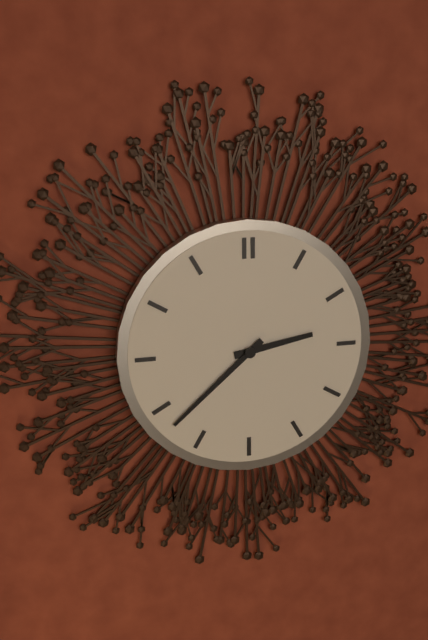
**2:38**
